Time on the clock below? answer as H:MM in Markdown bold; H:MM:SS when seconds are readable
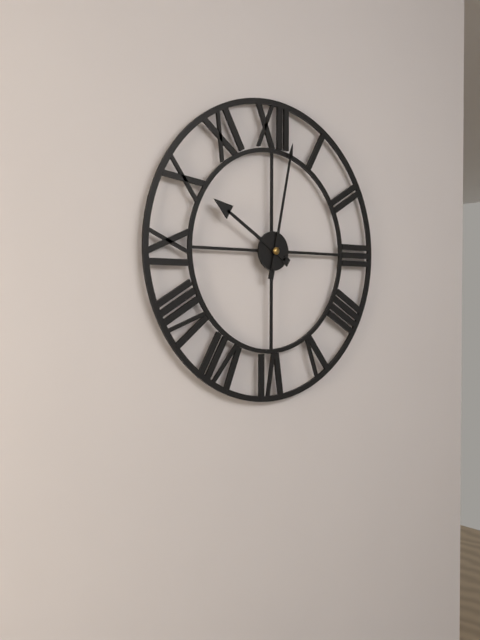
**10:02**
